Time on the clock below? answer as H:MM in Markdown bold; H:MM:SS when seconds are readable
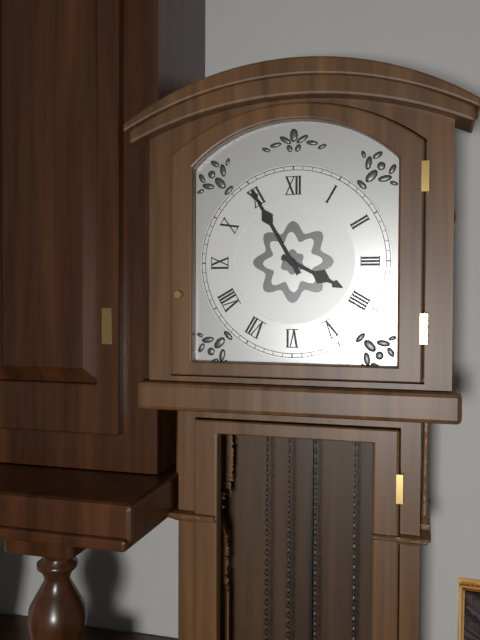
**3:55**
